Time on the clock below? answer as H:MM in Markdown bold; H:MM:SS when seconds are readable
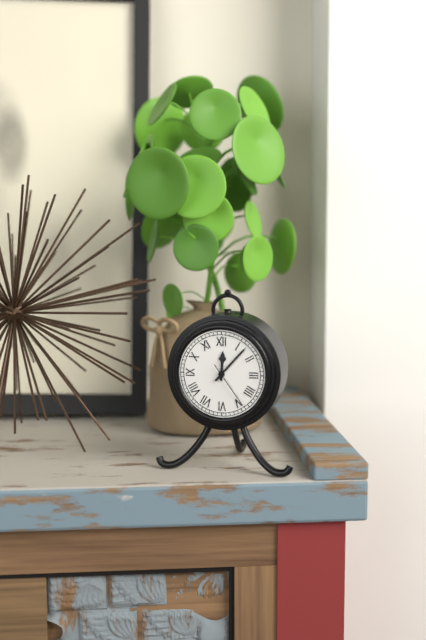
**12:07:24**
